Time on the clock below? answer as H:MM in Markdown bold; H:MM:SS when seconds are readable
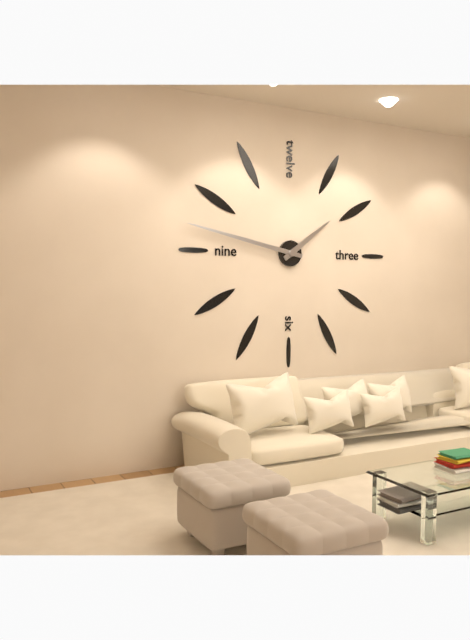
**1:47**
